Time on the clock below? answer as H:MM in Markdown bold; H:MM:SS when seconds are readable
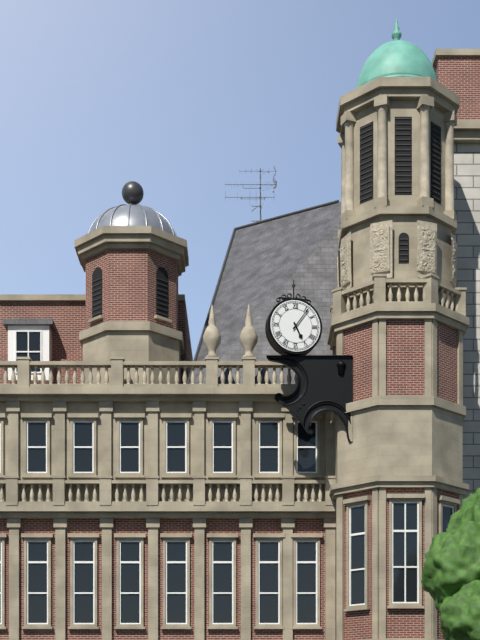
**5:06**
